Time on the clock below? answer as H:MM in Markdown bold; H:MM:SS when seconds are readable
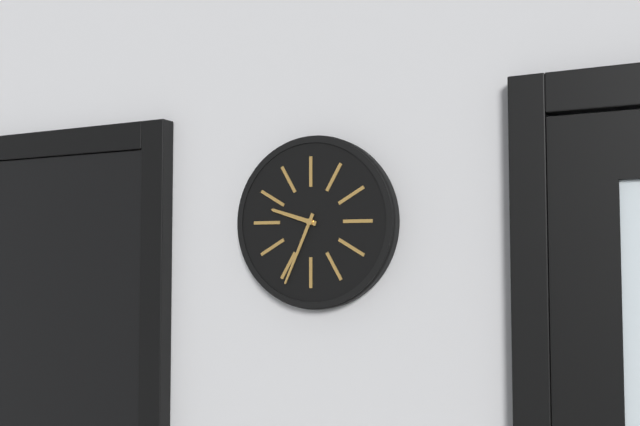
**9:34**
